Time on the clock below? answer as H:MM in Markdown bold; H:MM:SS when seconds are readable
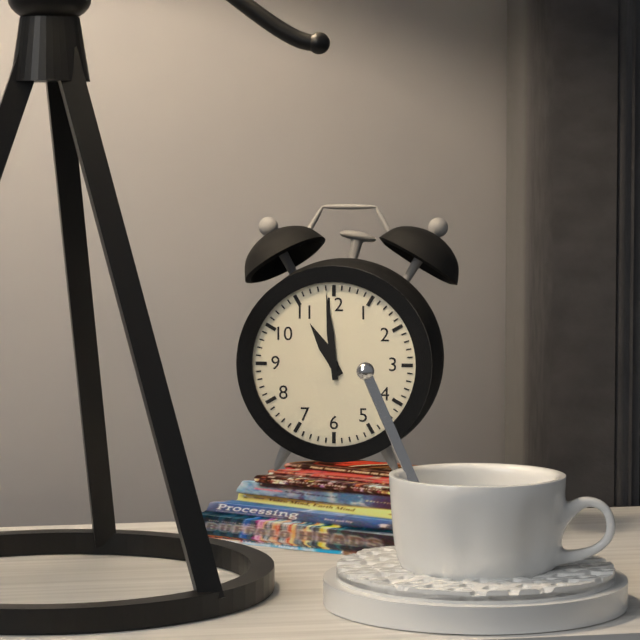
**10:59**
